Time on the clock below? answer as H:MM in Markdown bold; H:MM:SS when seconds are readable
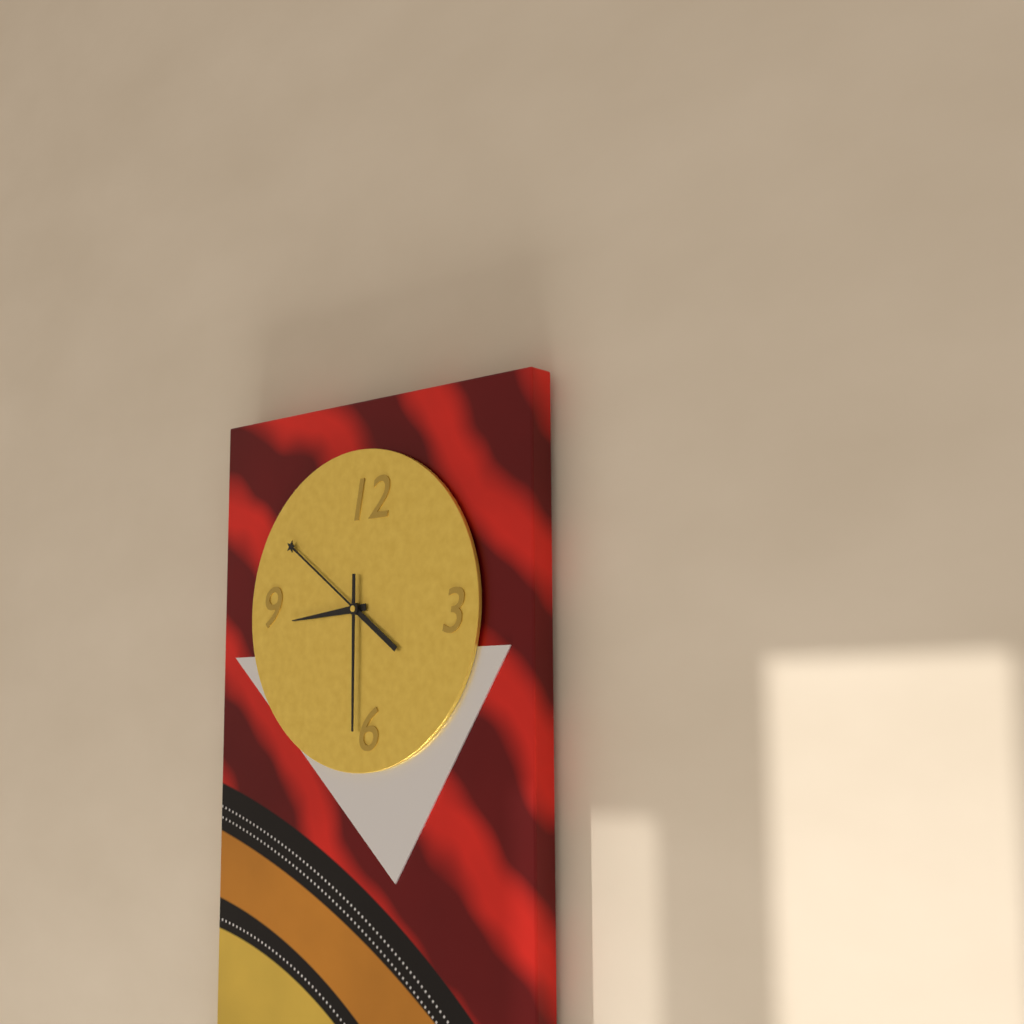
**8:51:30**
